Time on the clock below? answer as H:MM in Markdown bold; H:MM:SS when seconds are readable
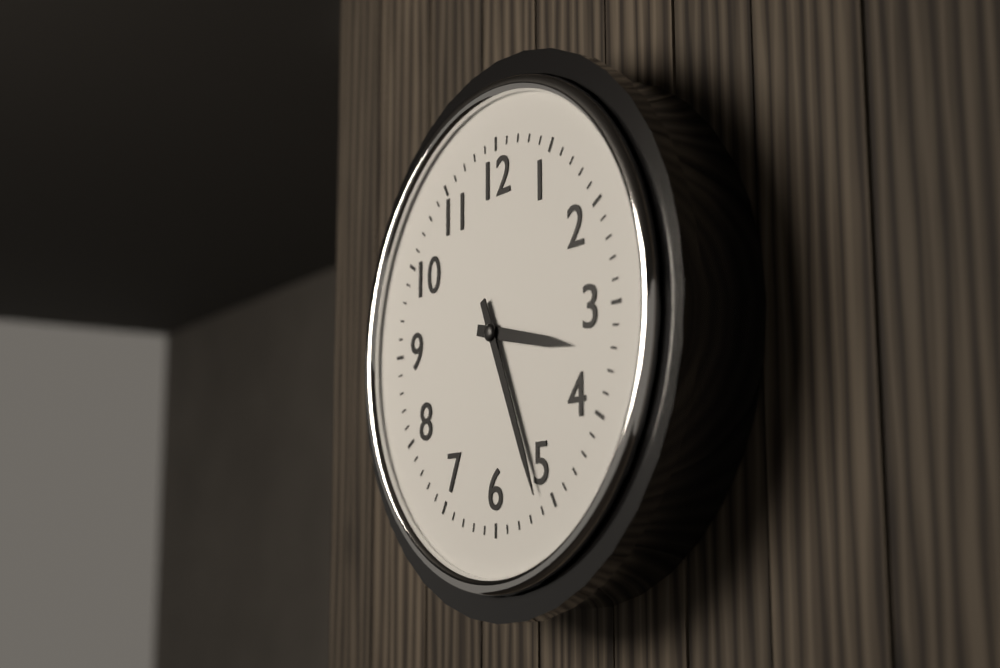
**3:26**
